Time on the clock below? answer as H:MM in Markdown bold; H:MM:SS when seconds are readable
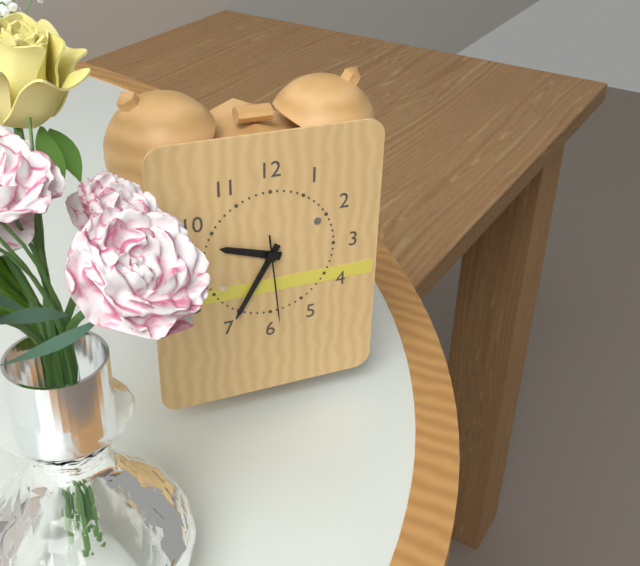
**9:35:29**
